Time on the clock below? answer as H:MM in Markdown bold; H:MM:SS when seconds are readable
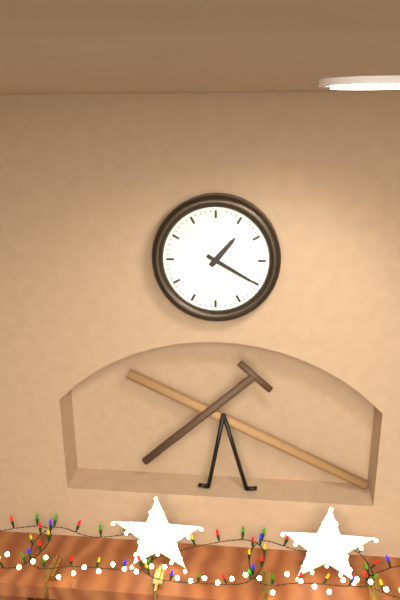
**1:20**
